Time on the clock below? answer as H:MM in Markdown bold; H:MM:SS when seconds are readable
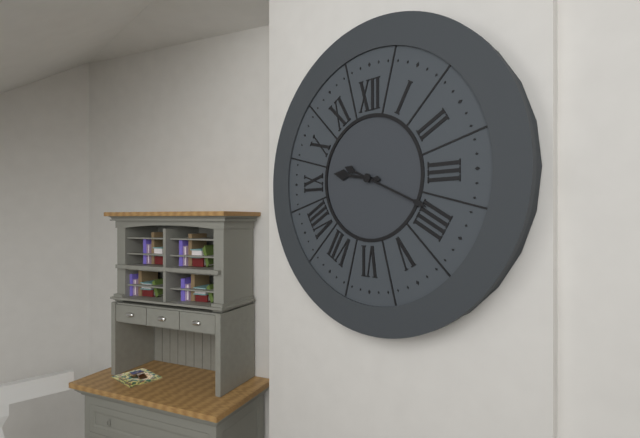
**9:19**
